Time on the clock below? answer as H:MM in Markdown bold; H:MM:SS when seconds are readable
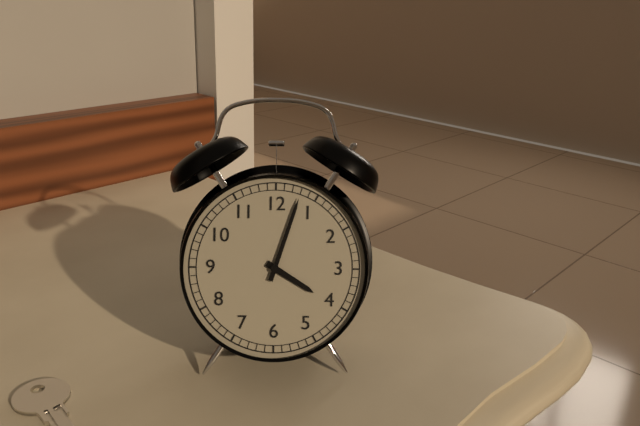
**4:03**
